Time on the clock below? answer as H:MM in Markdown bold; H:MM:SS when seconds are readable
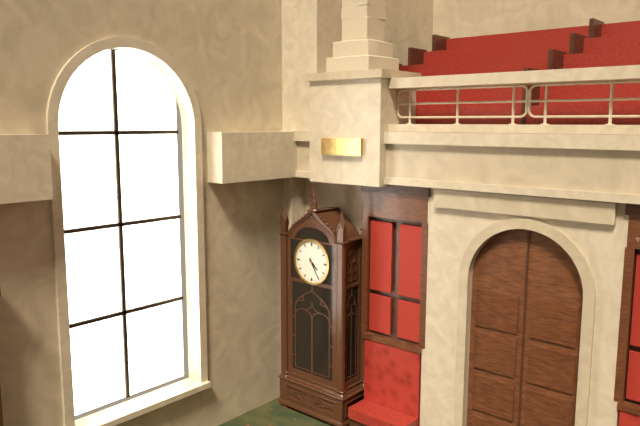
**4:25**
